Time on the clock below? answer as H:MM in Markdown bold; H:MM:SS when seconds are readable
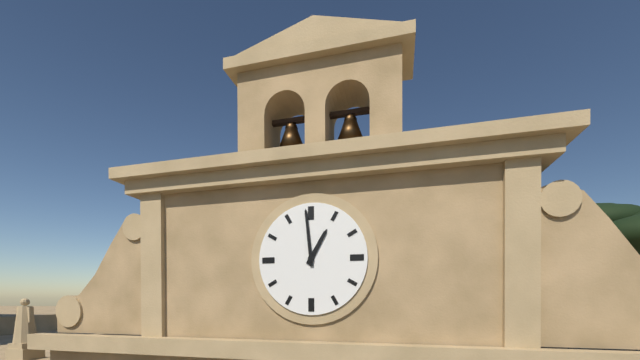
**12:59**
